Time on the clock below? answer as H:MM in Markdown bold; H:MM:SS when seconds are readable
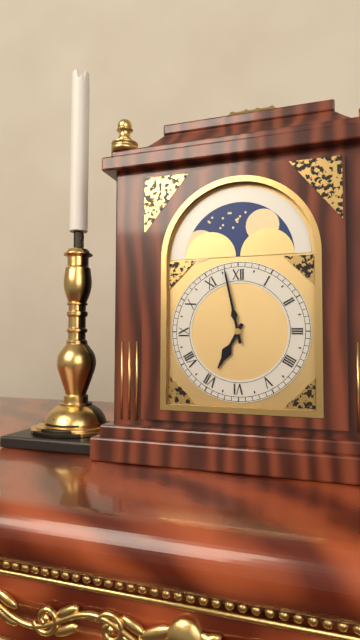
**6:58**
